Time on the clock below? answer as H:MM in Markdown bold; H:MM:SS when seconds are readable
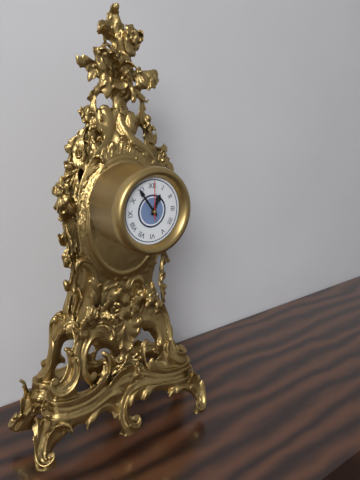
**12:54**
